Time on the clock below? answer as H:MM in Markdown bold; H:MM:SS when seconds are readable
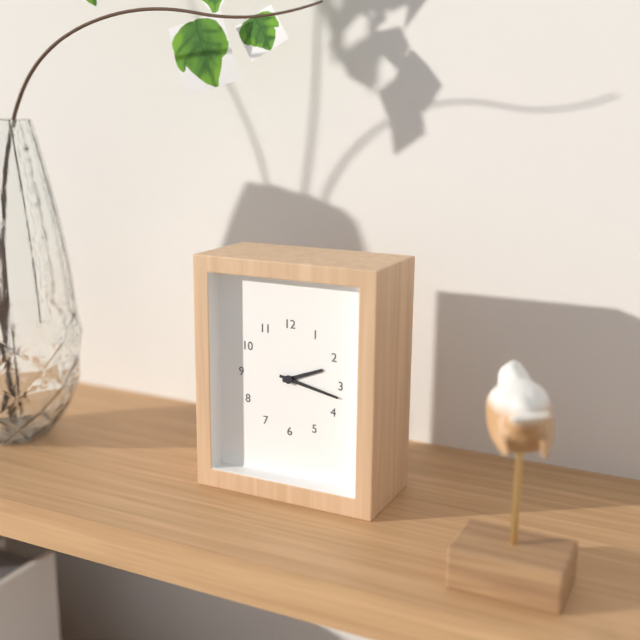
**2:17**
